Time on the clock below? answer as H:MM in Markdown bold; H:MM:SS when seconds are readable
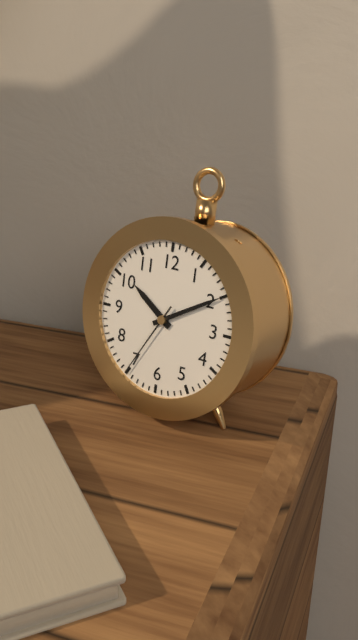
**10:10:35**
